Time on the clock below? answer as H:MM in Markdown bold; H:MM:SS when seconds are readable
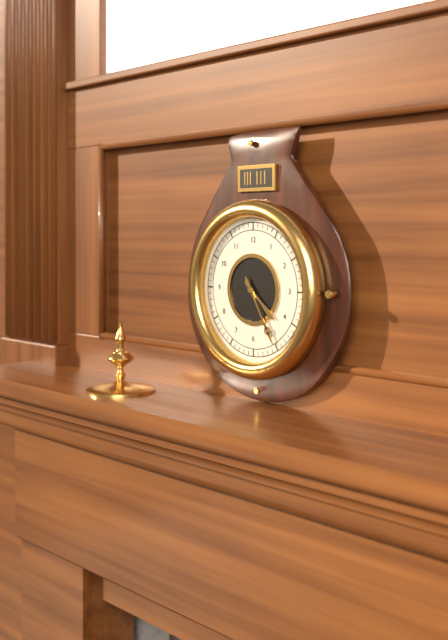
**4:25**
